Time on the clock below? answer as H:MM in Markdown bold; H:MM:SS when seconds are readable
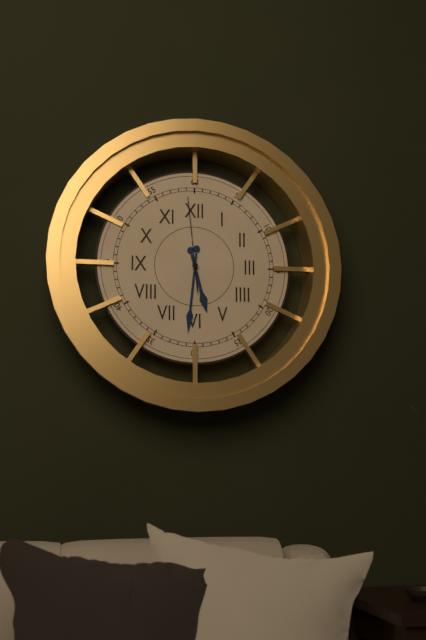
**5:31:59**
